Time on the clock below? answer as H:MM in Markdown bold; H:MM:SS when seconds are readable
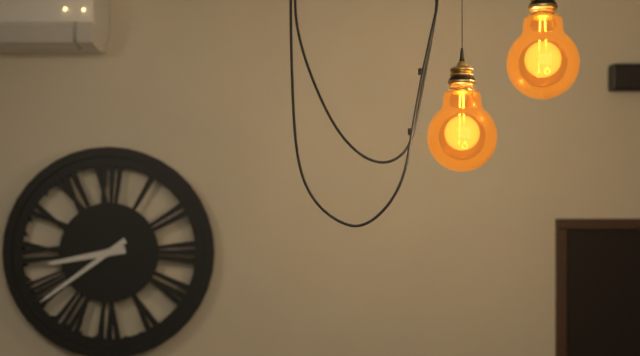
**8:39**
